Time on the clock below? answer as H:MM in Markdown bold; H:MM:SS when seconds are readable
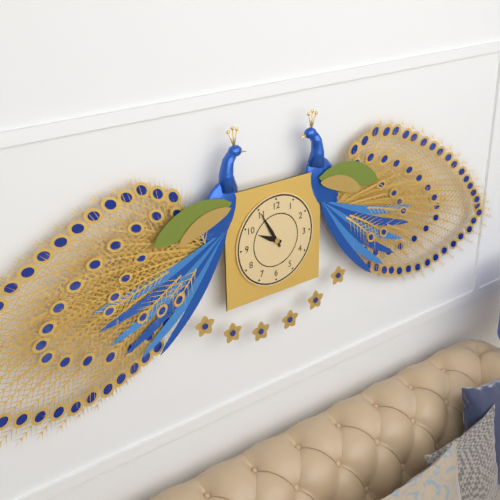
**9:55**
